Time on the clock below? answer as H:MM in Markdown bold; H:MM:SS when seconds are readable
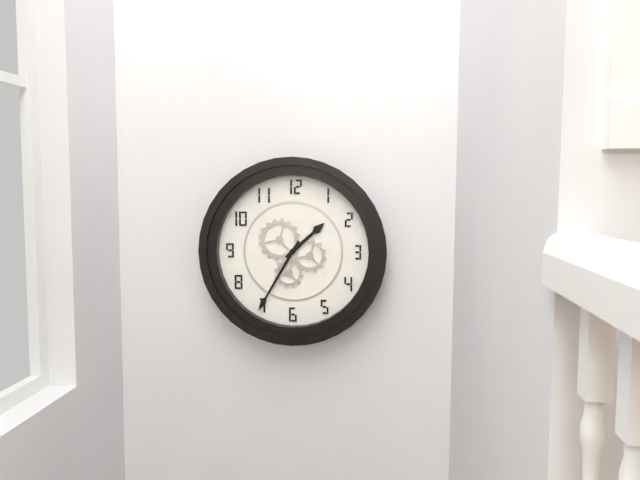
**1:35**
